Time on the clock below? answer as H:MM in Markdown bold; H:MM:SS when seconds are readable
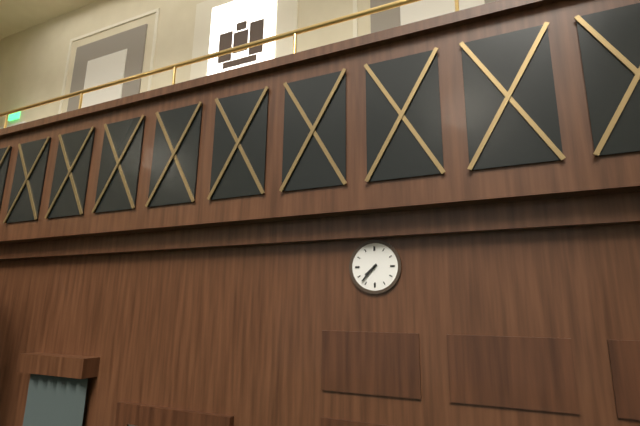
**7:37**
